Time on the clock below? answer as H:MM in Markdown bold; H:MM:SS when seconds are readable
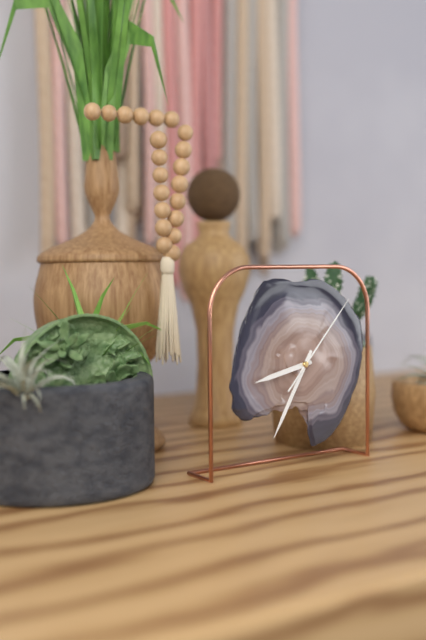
**8:35:07**
